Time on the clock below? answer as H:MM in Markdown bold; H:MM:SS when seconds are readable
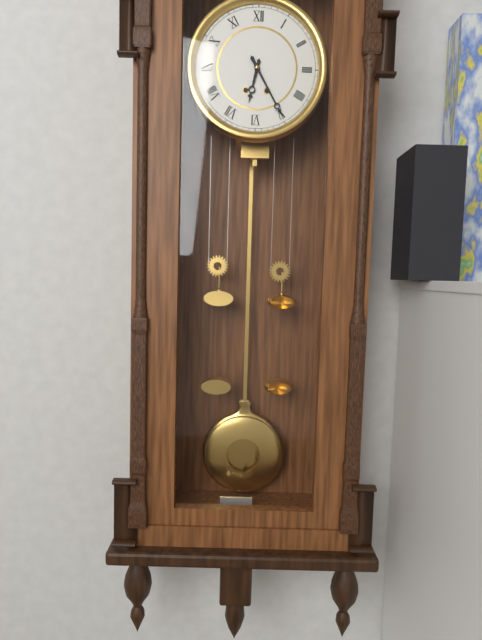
**6:25**
